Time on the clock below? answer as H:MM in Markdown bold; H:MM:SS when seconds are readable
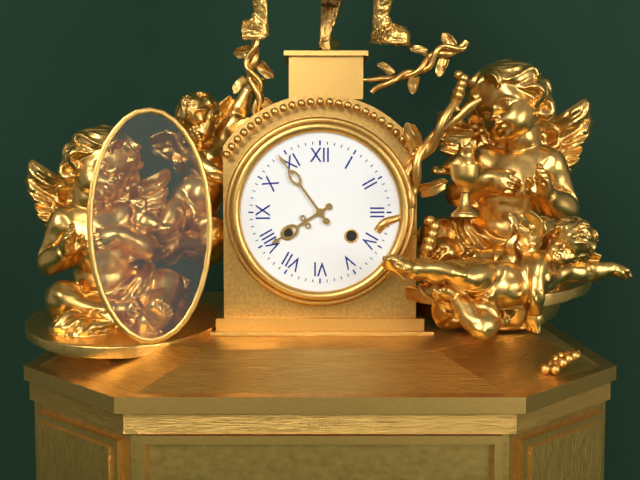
**7:54**
